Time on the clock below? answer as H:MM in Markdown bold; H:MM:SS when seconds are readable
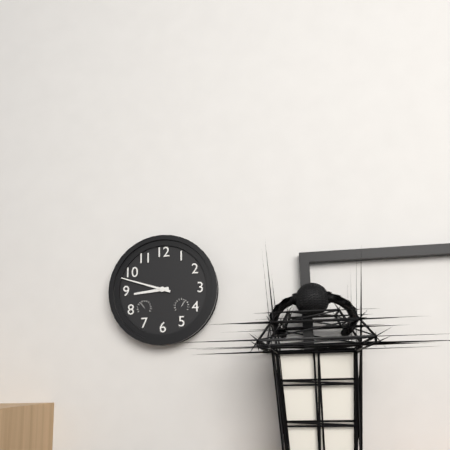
**8:48**
